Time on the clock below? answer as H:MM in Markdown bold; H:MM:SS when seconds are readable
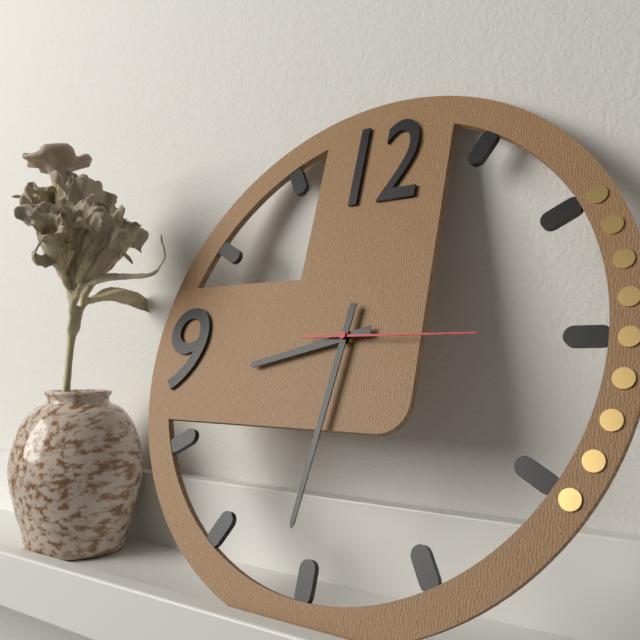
**8:31:15**
